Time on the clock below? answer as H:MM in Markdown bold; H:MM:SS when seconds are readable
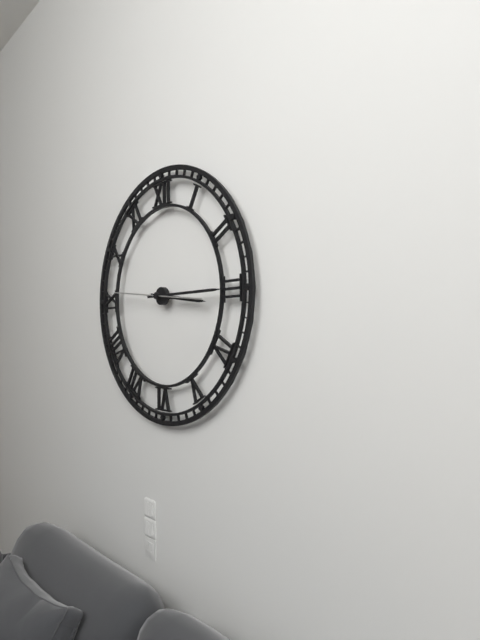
**3:15:46**
